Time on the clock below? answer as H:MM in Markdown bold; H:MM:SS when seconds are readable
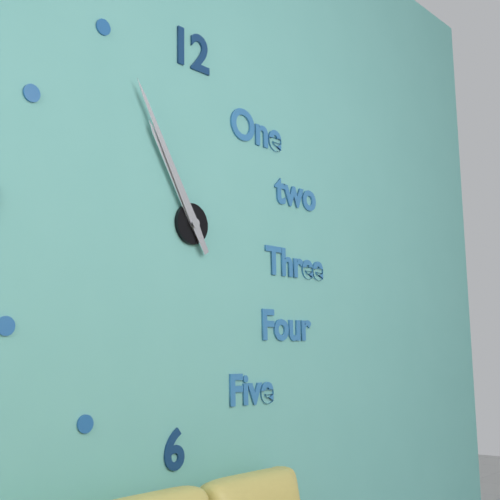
**10:55**
